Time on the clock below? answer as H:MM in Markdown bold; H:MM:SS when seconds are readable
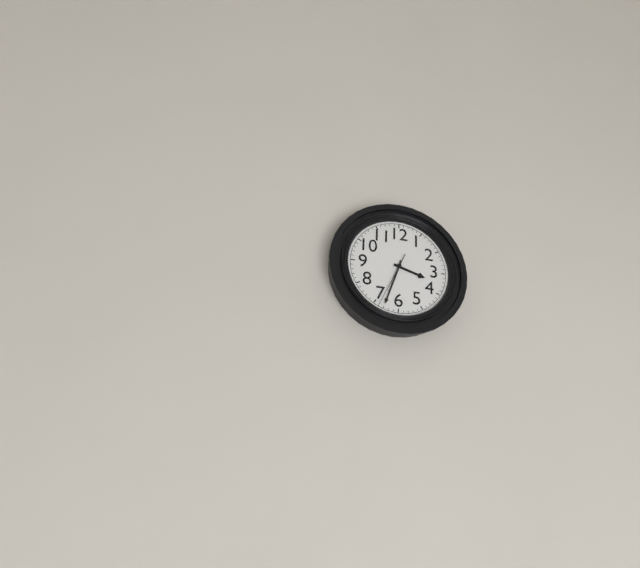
**3:33:34**
